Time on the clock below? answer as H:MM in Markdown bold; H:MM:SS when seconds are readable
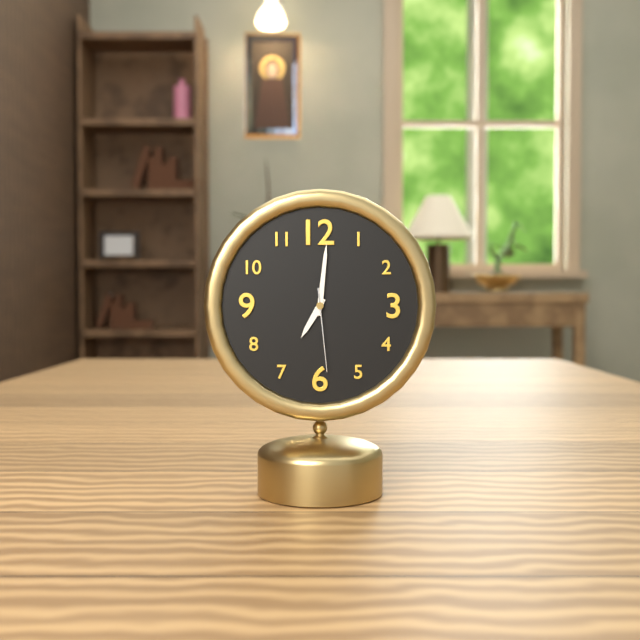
**7:01:29**
